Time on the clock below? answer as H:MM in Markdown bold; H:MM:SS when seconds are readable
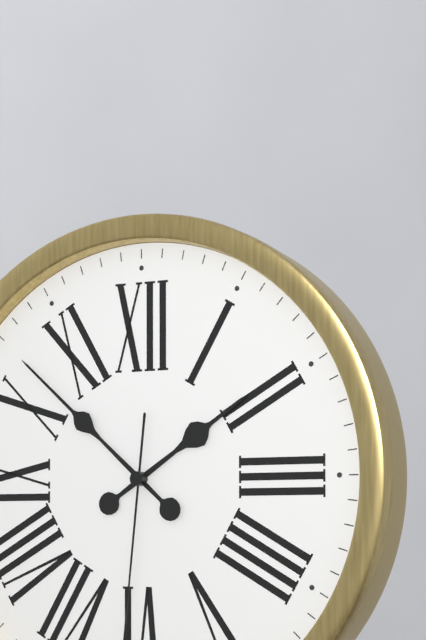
**1:52**
